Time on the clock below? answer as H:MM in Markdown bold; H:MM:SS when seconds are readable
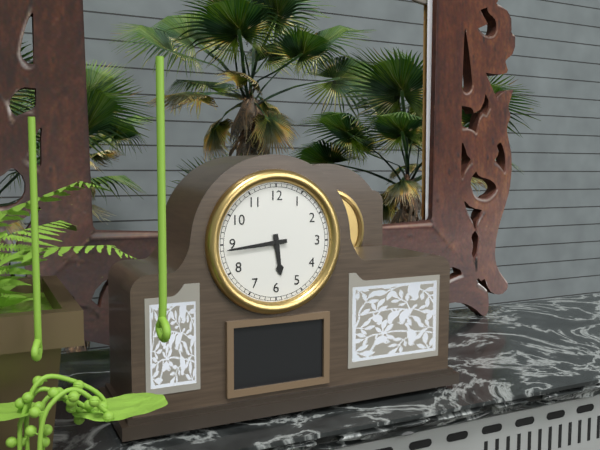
**5:44**
